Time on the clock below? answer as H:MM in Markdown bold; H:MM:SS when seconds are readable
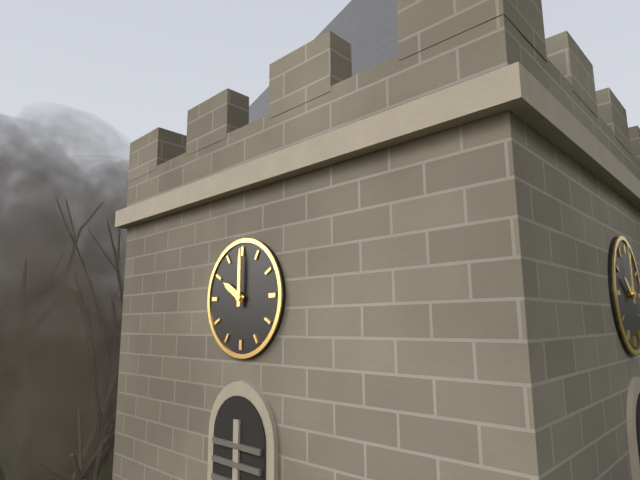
**10:00**
